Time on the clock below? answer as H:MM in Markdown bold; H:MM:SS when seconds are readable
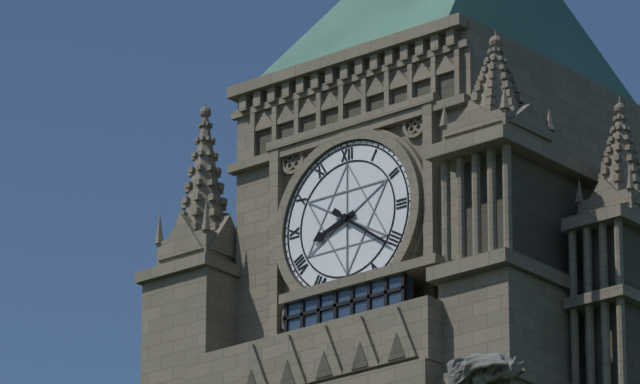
**8:21**
